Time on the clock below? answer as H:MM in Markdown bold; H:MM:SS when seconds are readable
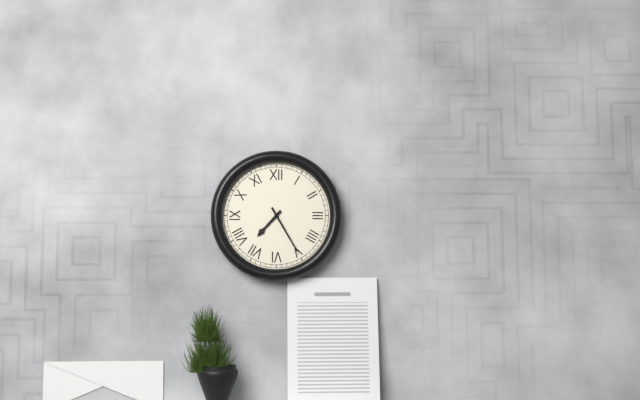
**7:25**
